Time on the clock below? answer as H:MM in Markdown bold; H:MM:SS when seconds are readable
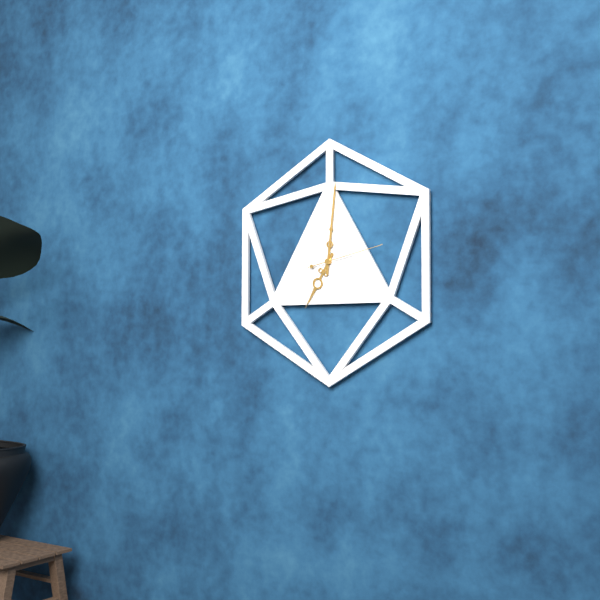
**7:01:13**
